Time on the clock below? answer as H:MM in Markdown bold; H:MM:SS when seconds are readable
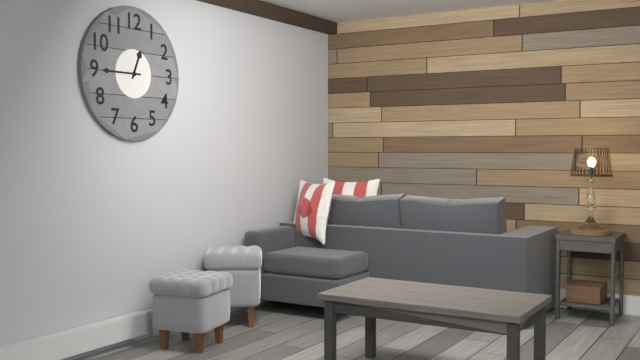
**12:45**
